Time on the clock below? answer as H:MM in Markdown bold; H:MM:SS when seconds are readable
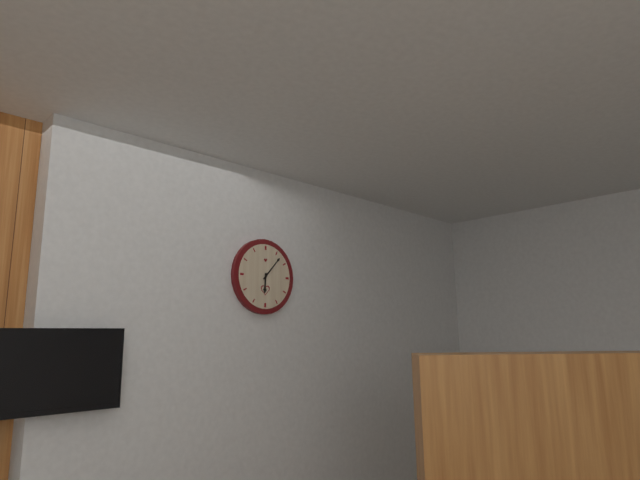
**6:07**
